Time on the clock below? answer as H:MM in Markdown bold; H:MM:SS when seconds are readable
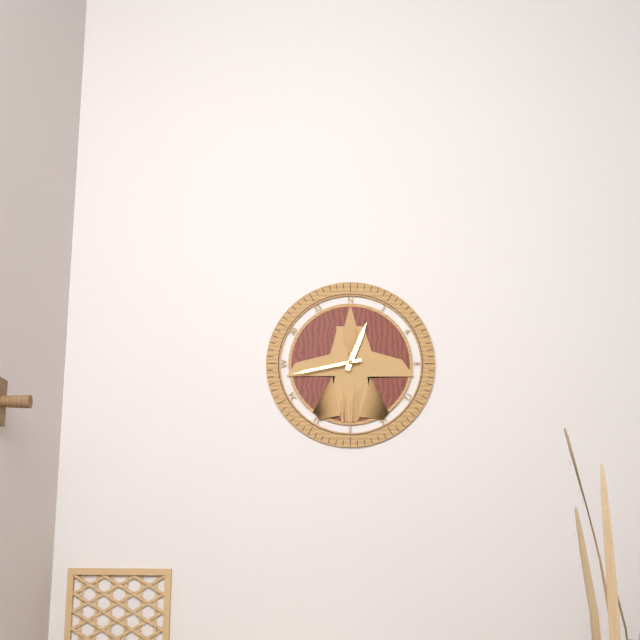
**12:43**
